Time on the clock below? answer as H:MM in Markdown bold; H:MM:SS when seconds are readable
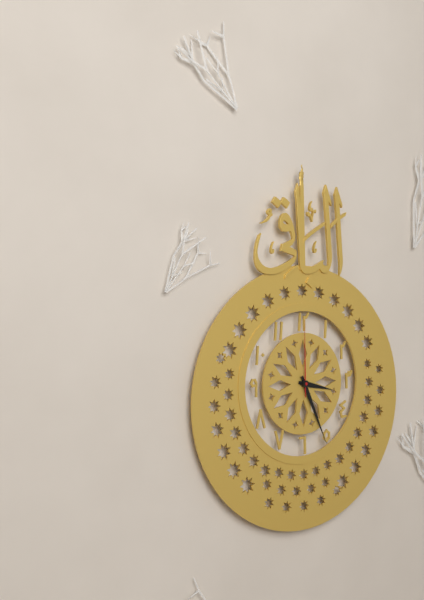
**3:26:00**
